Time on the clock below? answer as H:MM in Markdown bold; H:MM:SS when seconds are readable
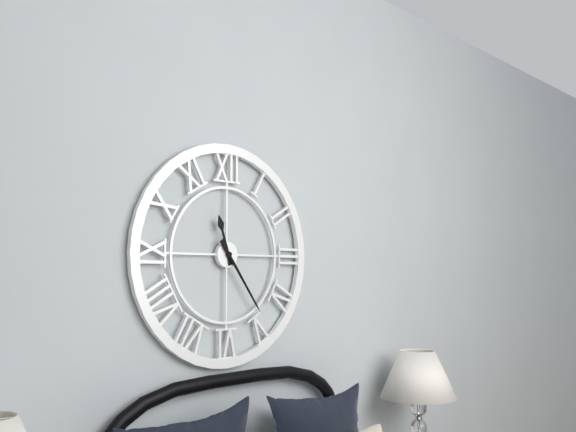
**11:24**
